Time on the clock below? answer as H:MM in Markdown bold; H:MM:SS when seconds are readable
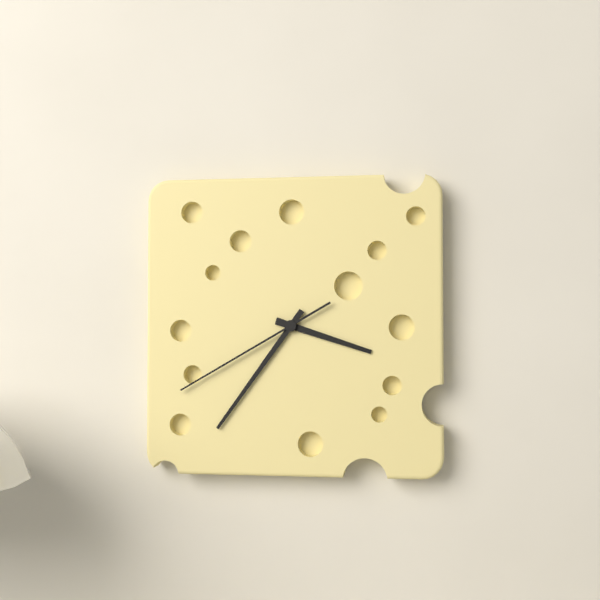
**3:36:40**
